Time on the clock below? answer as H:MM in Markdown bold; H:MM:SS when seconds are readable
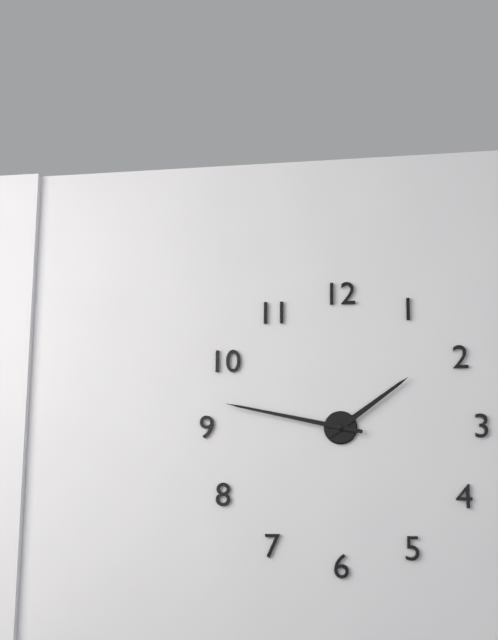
**1:47**
